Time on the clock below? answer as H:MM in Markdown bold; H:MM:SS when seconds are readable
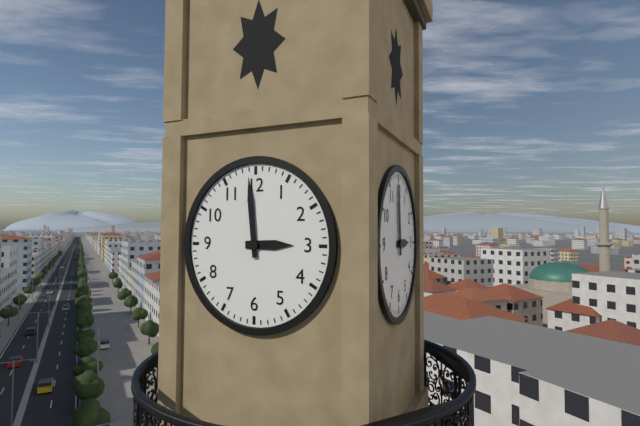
**2:59**
